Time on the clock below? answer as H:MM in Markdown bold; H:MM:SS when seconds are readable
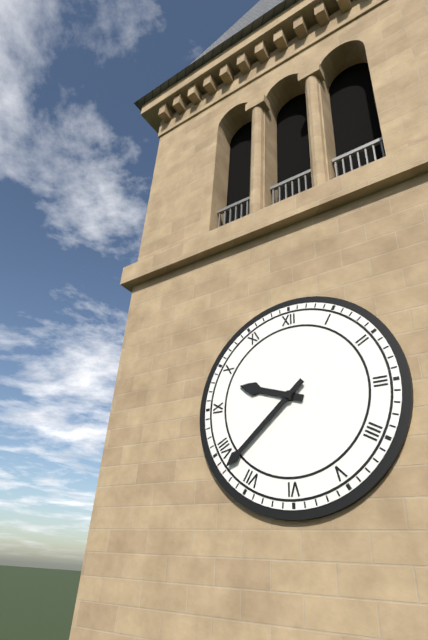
**9:38**
